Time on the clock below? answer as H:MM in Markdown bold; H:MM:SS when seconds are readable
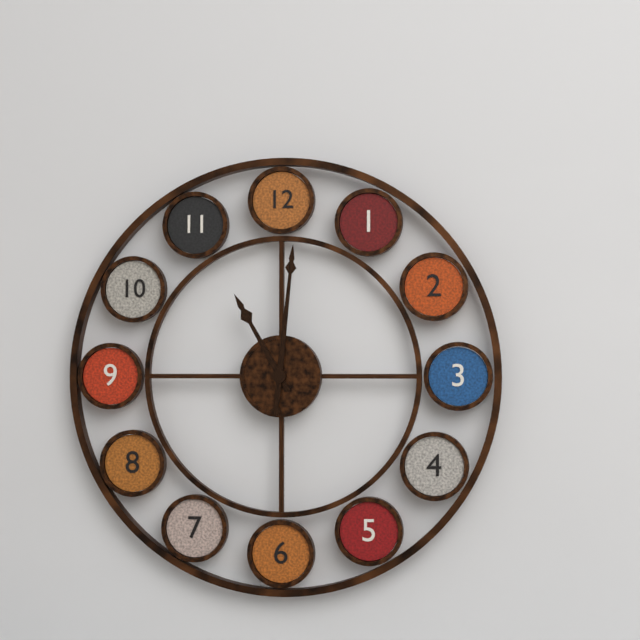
**11:01**
